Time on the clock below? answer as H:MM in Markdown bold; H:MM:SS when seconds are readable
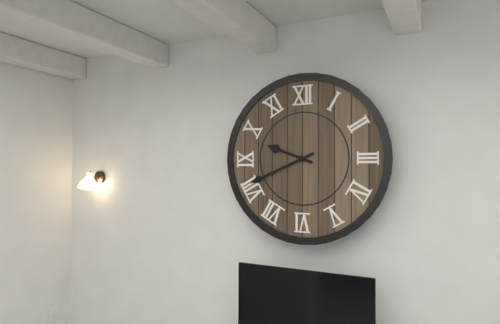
**9:41**
